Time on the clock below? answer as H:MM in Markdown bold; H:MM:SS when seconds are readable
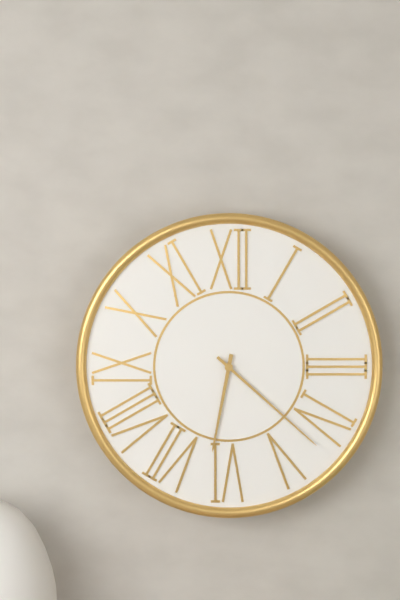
**6:22**
